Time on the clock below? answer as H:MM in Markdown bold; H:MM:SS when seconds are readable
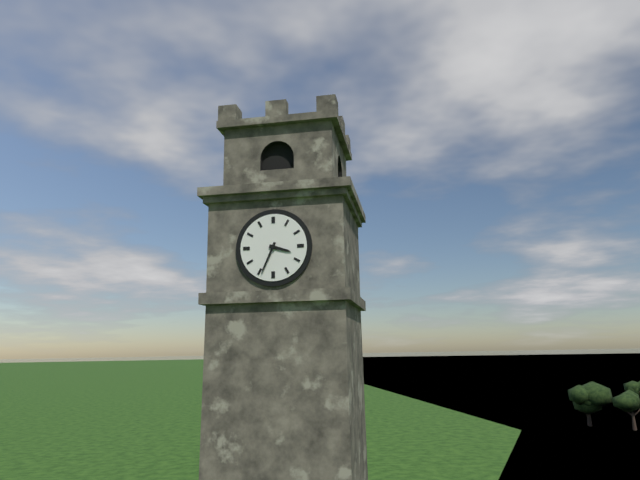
**3:34**
